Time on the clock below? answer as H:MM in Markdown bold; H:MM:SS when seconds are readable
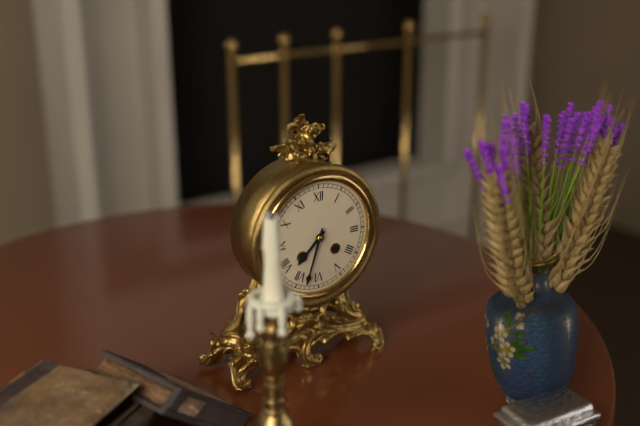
**7:33**
